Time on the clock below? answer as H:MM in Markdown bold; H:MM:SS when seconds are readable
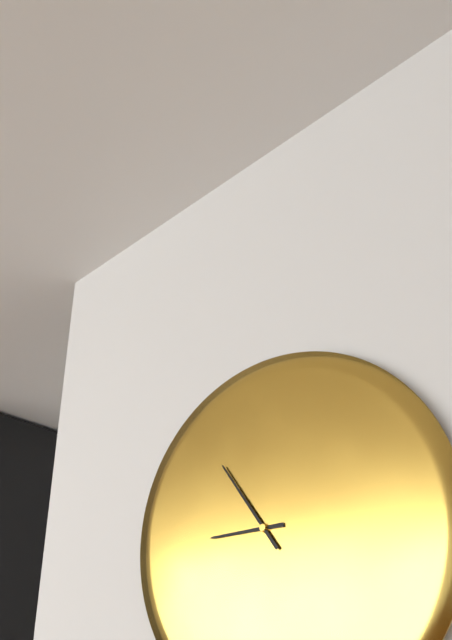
**8:54**
